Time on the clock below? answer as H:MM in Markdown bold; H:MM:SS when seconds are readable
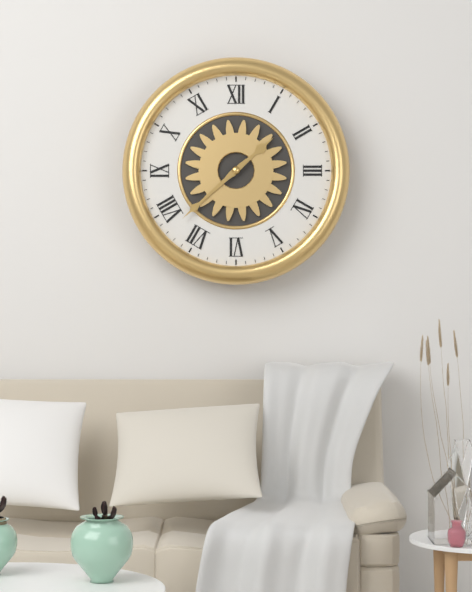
**1:38**
